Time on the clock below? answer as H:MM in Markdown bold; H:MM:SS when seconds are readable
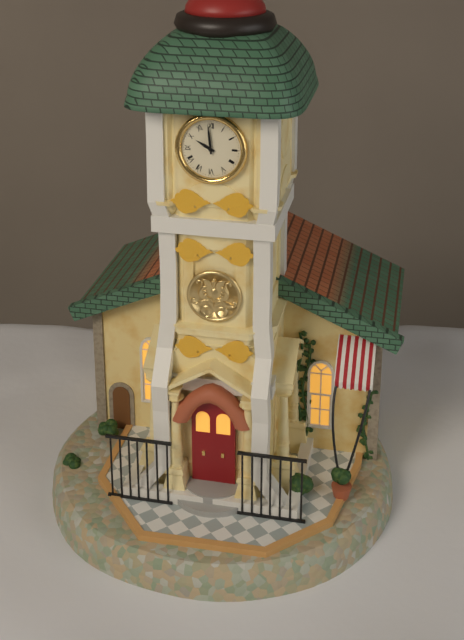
**9:59**
